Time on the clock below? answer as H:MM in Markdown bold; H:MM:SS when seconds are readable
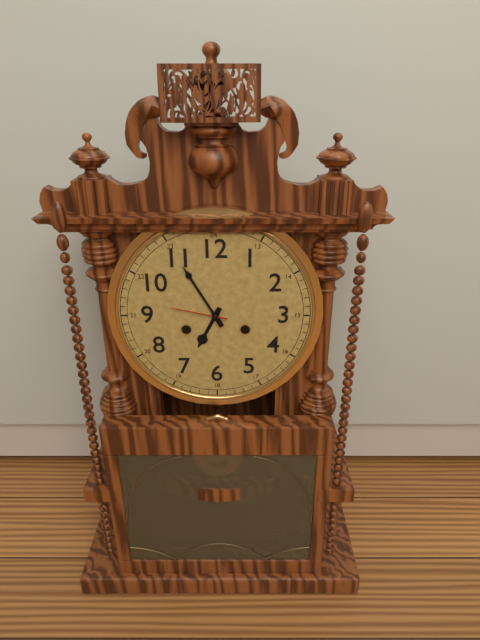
**6:55:47**
